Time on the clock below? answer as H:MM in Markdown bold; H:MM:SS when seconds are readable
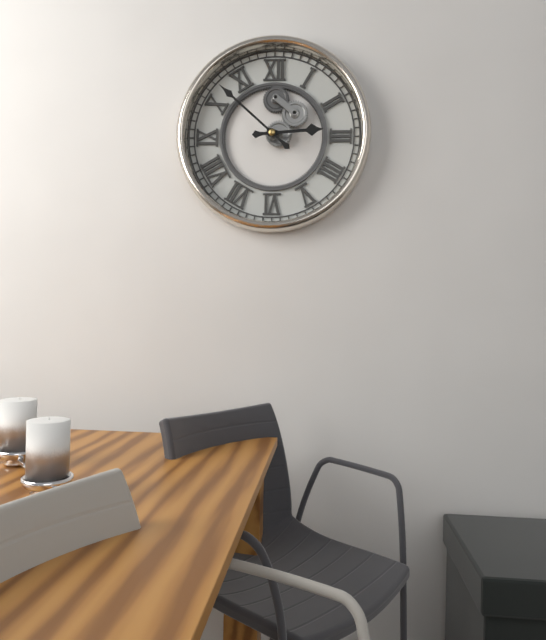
**2:52**
